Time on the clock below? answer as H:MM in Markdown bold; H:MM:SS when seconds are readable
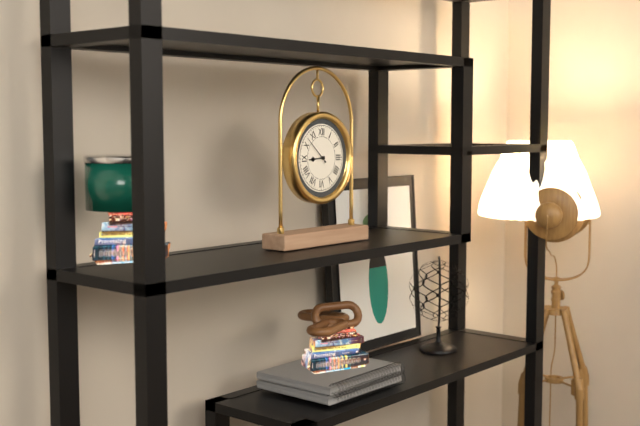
**8:52**
